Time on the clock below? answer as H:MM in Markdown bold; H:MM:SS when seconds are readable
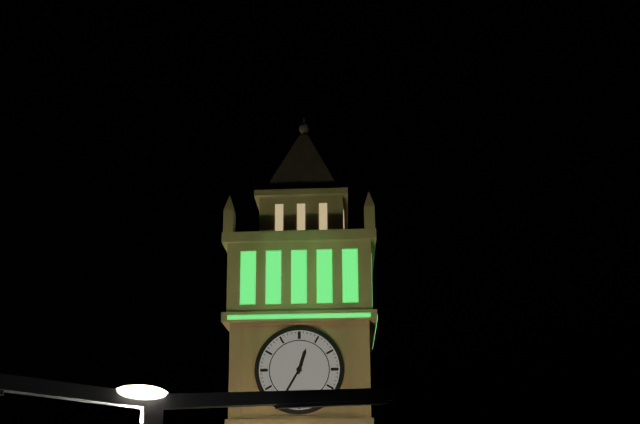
**12:35**
